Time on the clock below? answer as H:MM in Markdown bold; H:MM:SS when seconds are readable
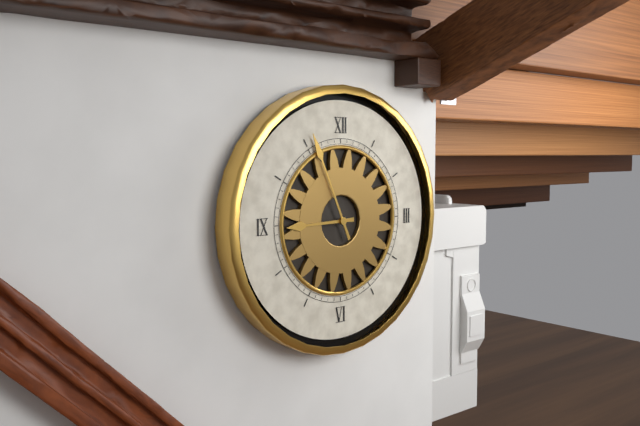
**8:56**
